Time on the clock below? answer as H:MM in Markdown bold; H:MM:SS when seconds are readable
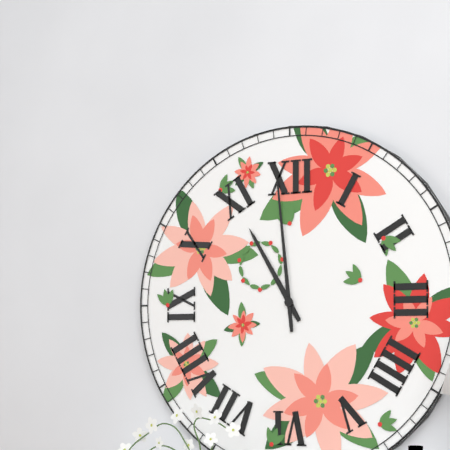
**10:59**
